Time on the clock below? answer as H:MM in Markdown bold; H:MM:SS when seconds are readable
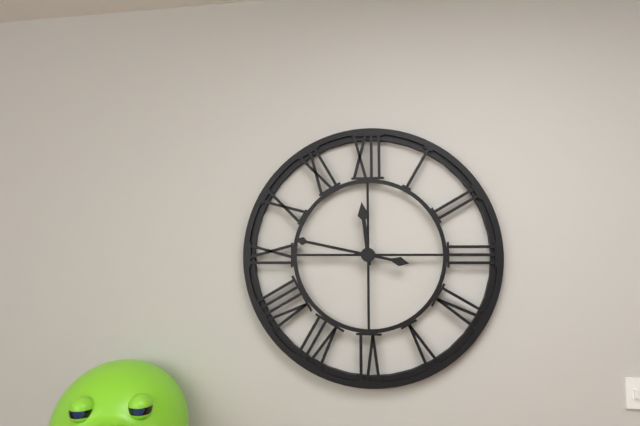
**11:47**
